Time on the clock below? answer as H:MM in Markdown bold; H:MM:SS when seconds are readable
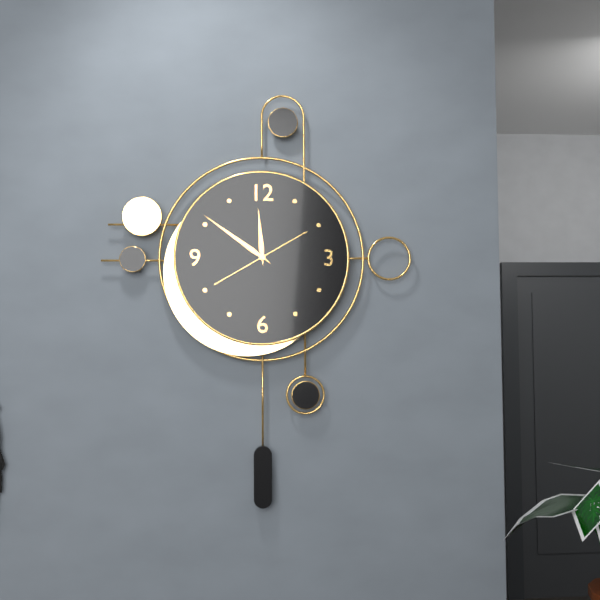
**11:51:40**
